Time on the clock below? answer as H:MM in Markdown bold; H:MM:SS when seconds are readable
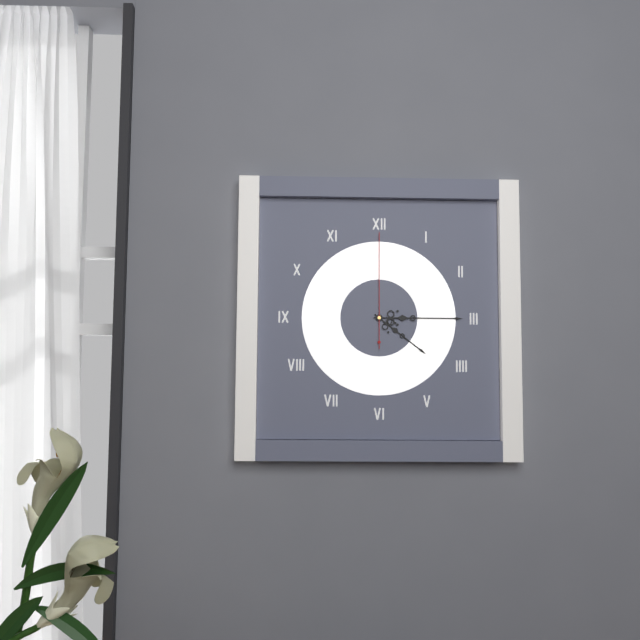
**4:15:00**
